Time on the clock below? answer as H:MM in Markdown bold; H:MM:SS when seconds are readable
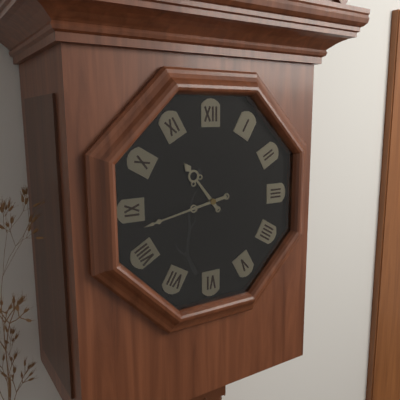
**10:43**
